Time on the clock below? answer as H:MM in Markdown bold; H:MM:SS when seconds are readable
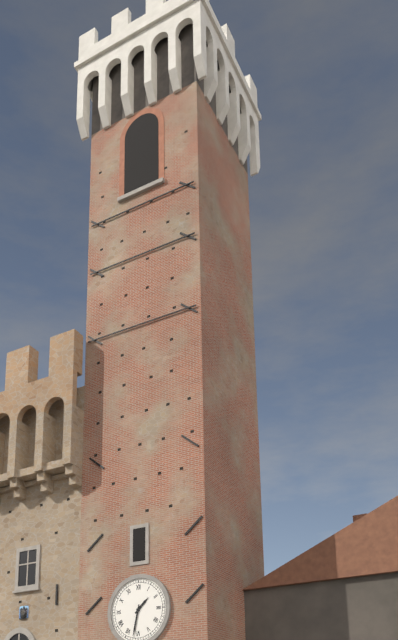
**1:32**
